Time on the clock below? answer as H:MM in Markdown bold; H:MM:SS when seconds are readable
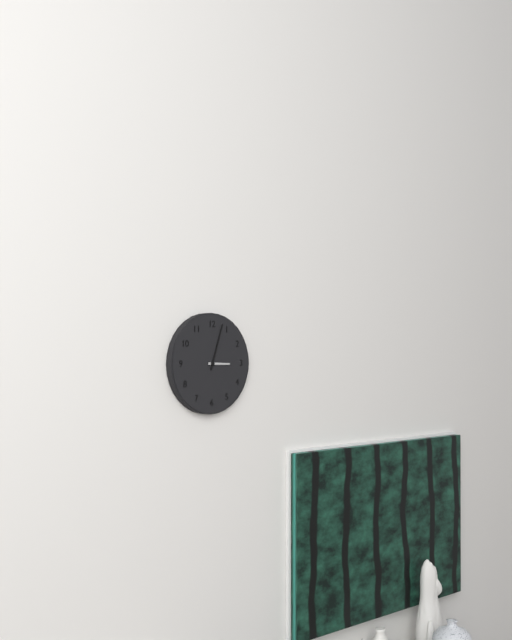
**3:03**
